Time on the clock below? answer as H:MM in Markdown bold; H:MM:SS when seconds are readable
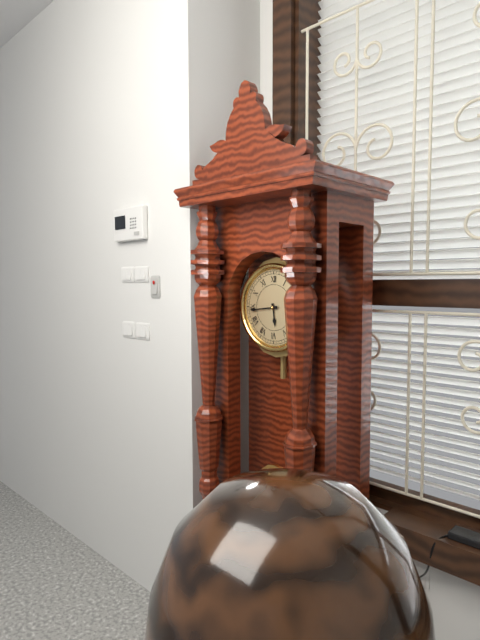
**5:44**
